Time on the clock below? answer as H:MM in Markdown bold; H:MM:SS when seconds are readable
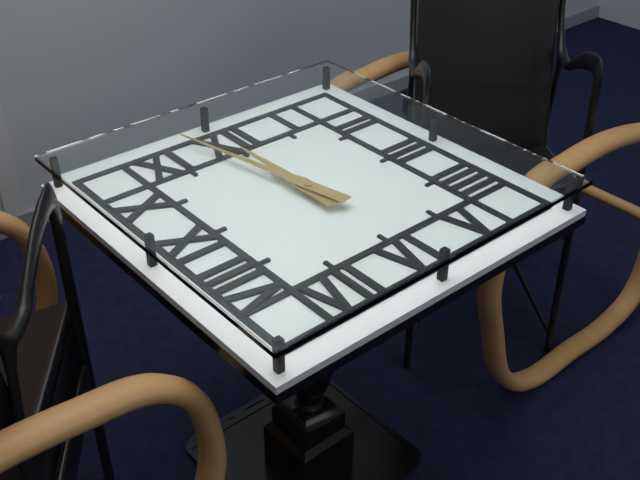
**11:58**
